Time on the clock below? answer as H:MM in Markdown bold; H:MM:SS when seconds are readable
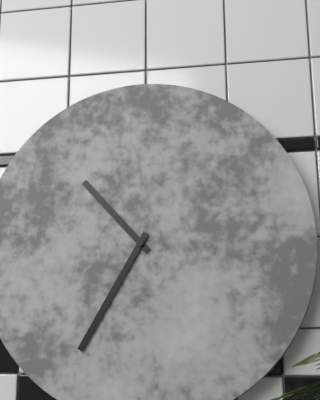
**10:35**
